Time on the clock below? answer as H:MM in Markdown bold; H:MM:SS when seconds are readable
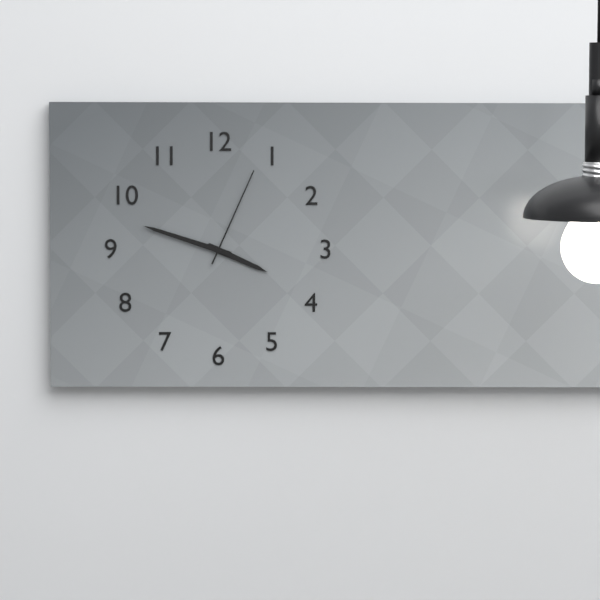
**3:48:04**
